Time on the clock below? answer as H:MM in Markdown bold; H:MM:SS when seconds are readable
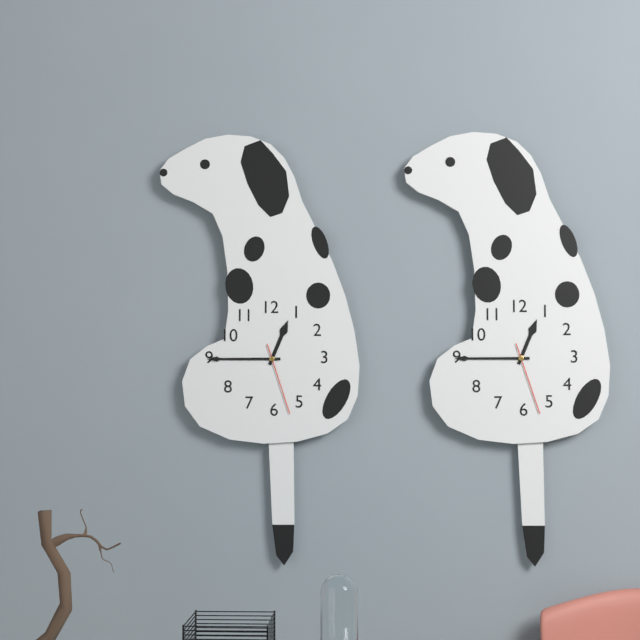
**12:45:27**
